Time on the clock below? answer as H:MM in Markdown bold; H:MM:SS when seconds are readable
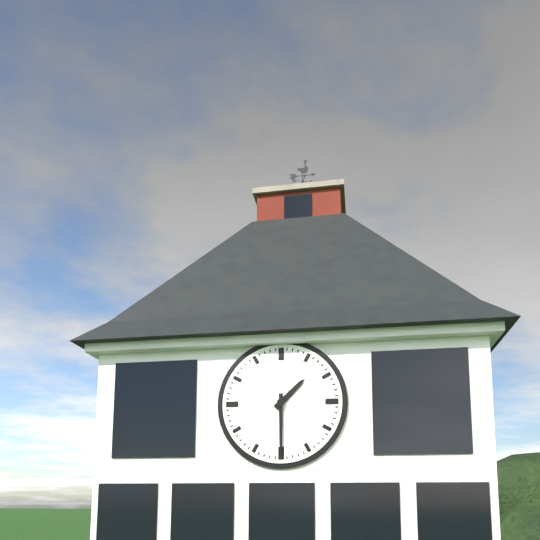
**1:30**
